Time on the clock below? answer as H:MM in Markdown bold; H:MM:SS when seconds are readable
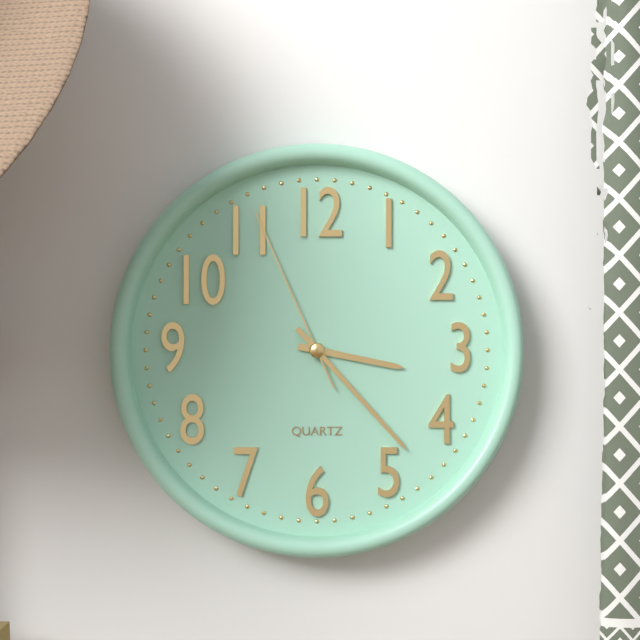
**3:23:56**
